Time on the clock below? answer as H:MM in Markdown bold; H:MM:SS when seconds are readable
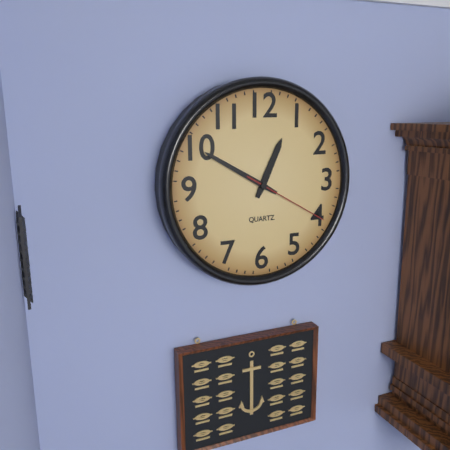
**12:50:20**
